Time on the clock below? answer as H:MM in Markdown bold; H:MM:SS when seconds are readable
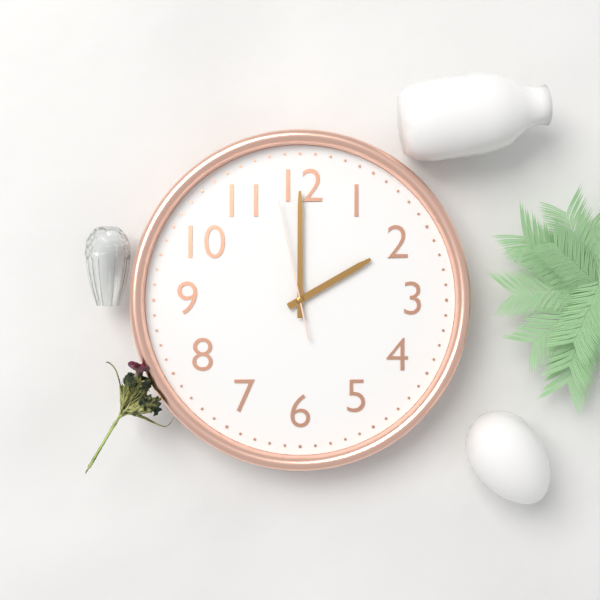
**2:00:58**
